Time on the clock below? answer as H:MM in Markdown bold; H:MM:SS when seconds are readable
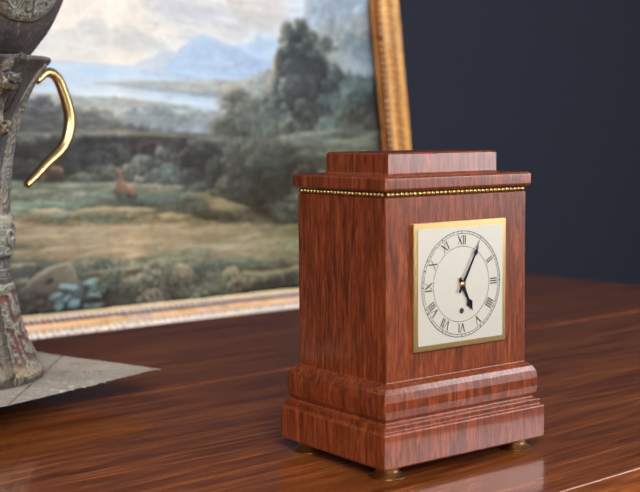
**5:05**
